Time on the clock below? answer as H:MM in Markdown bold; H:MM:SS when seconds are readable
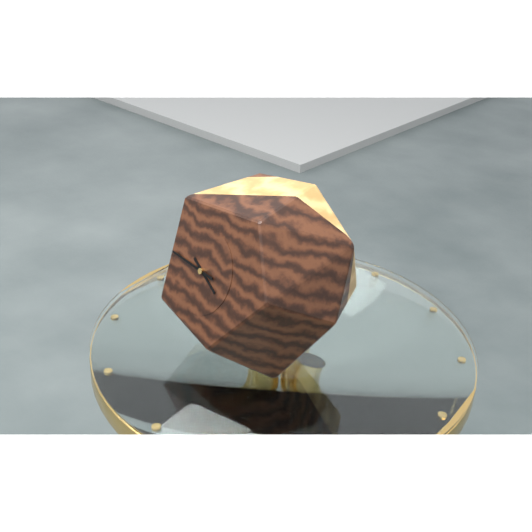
**3:45**
